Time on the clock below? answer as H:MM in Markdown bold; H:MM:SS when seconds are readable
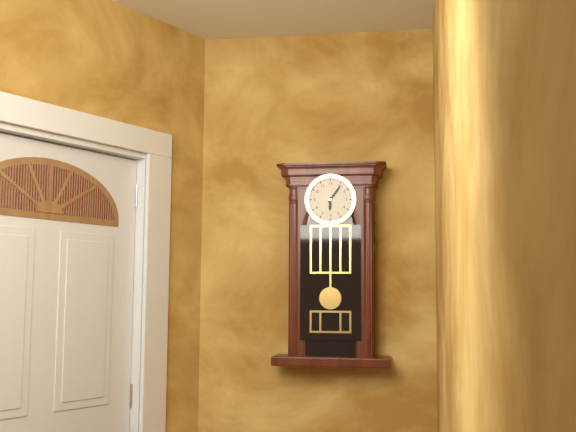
**6:06**
